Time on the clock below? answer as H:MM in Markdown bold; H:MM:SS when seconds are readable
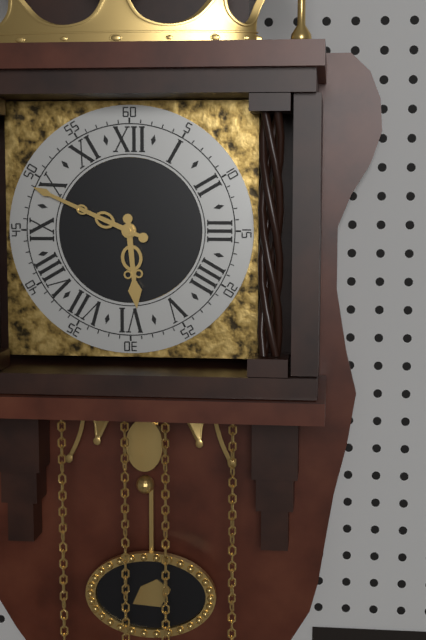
**5:49**
